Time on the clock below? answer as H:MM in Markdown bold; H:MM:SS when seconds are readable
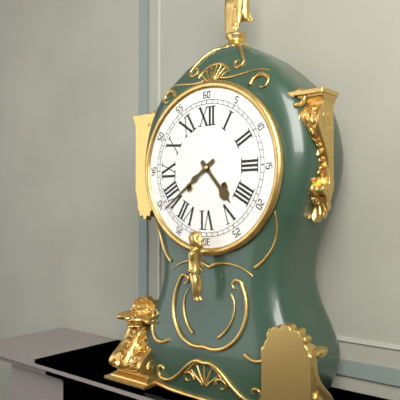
**4:39**
